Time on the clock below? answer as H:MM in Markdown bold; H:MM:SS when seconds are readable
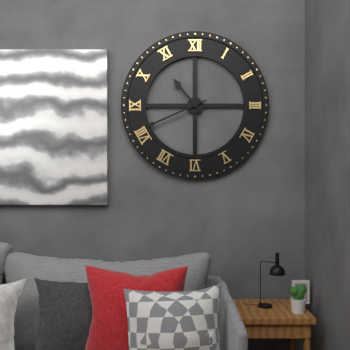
**10:41**
